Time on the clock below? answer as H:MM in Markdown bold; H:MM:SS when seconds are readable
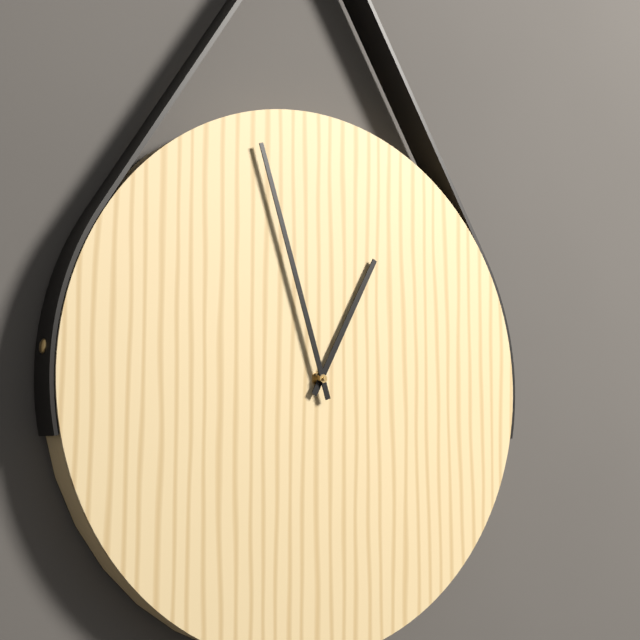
**12:57**
